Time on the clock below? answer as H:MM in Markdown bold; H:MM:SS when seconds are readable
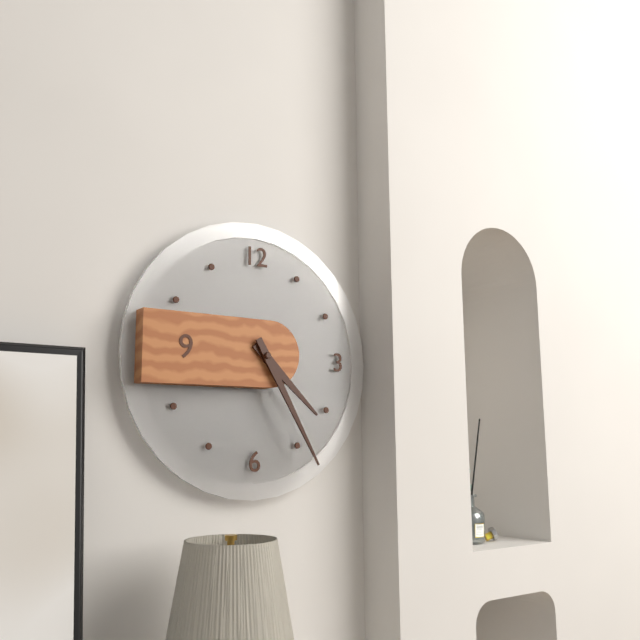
**4:25**
